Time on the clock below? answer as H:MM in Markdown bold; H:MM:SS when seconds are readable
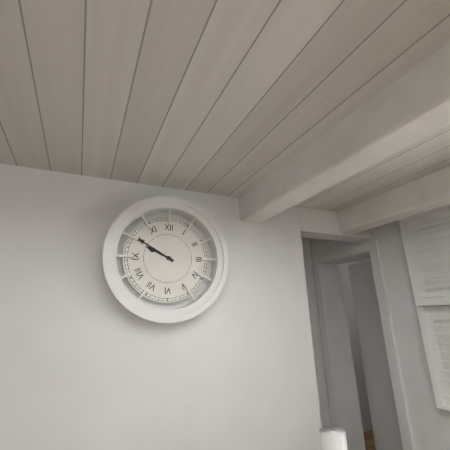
**9:50**
